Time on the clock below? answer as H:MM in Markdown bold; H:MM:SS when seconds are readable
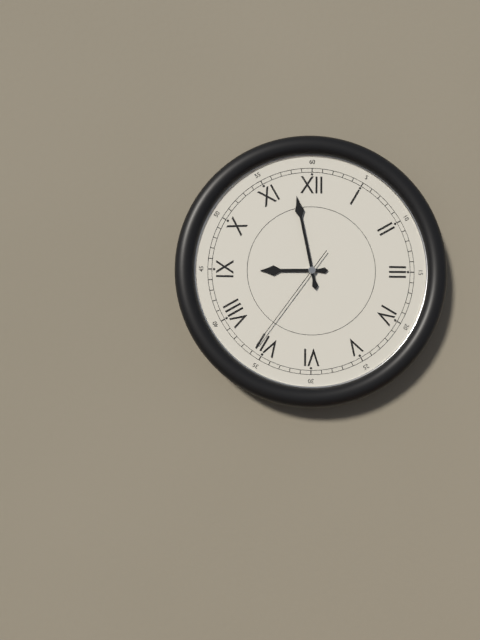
**8:58:36**
